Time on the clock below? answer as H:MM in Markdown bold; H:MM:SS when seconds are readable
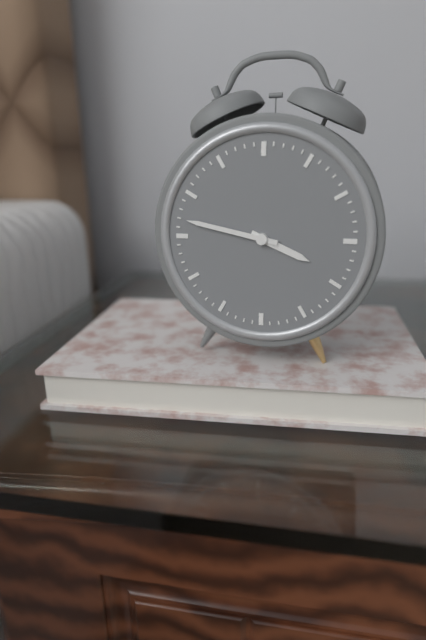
**3:47**
